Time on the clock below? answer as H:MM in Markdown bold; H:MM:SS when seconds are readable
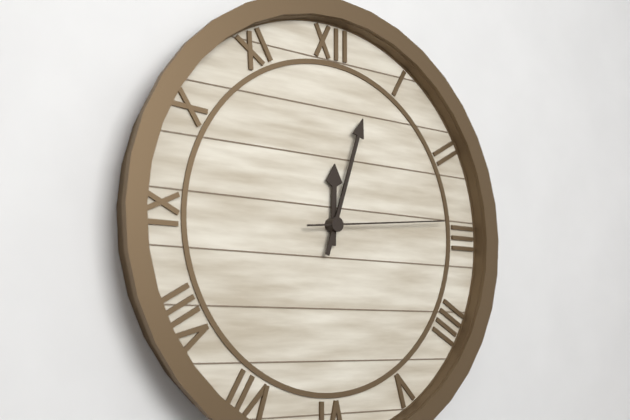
**12:03:14**
